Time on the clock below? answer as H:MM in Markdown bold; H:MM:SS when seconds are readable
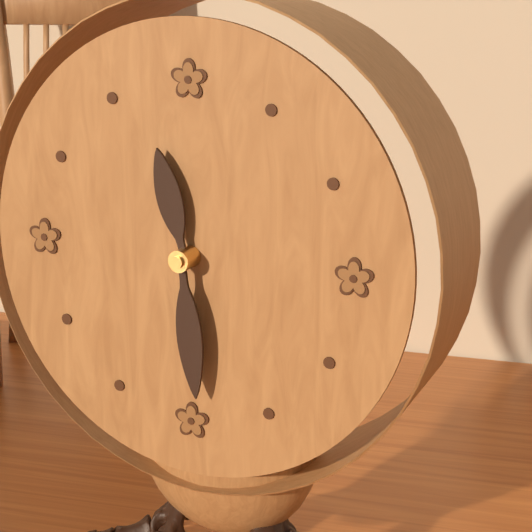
**11:29**
